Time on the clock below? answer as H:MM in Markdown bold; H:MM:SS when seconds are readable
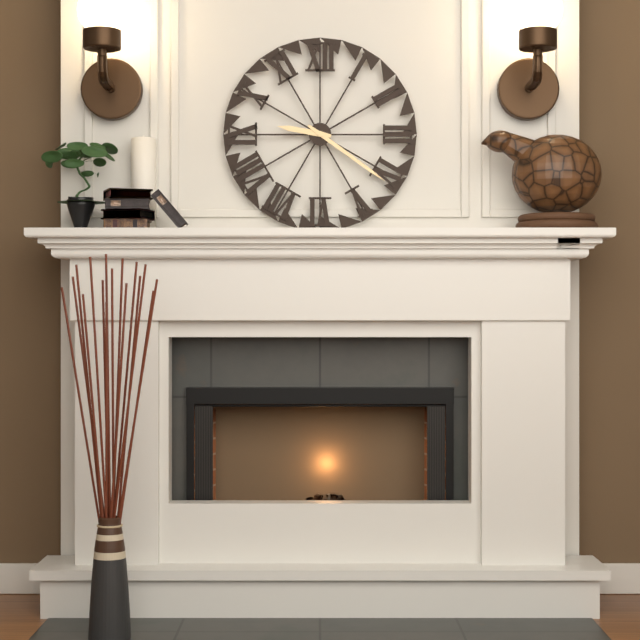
**9:21**
